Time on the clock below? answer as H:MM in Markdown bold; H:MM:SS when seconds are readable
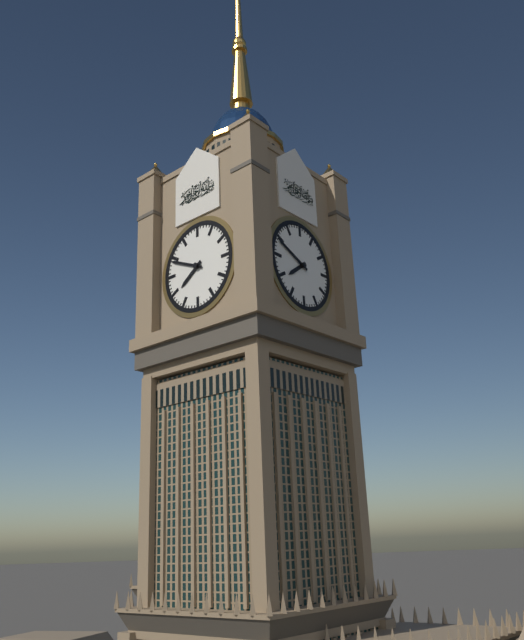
**7:49**
